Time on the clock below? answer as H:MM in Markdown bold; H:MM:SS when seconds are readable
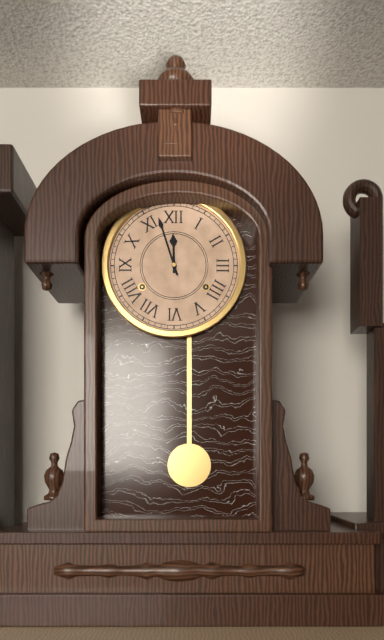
**11:57**
